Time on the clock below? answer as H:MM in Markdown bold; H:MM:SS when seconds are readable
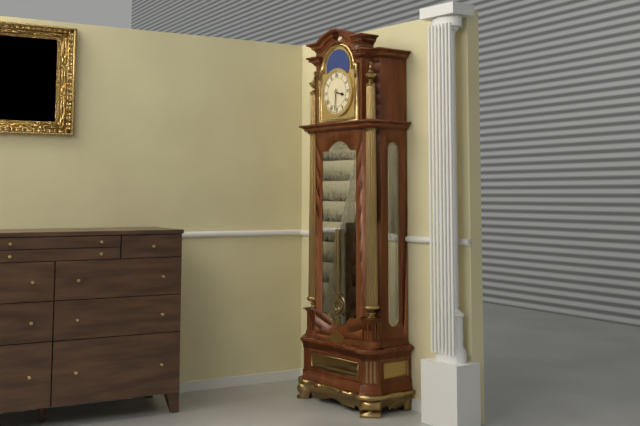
**3:31**
